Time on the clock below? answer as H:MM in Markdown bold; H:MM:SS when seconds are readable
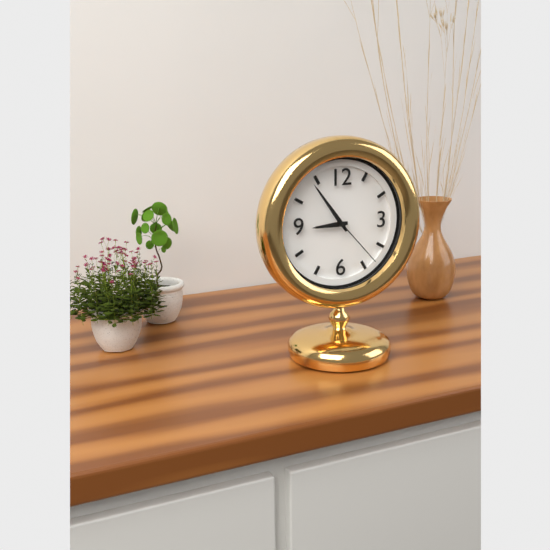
**8:54:23**
